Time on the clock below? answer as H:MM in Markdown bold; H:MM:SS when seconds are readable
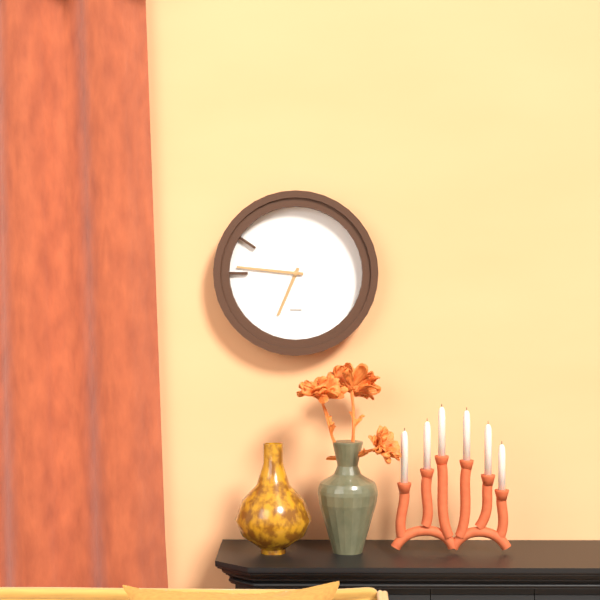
**6:46**
